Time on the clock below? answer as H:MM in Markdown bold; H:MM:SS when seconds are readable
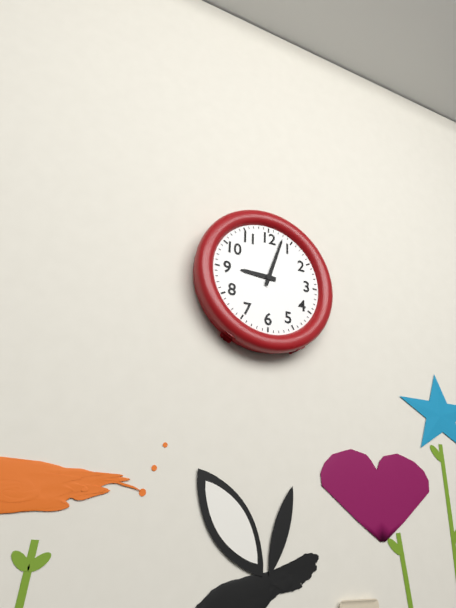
**9:03**
